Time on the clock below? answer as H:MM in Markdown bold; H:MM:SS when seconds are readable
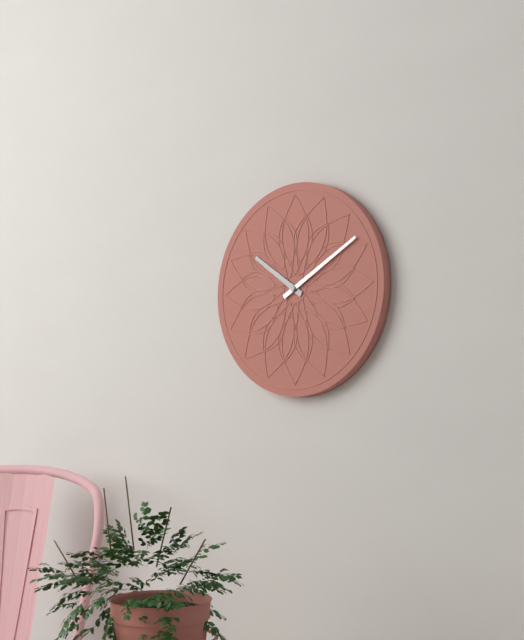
**10:10**
